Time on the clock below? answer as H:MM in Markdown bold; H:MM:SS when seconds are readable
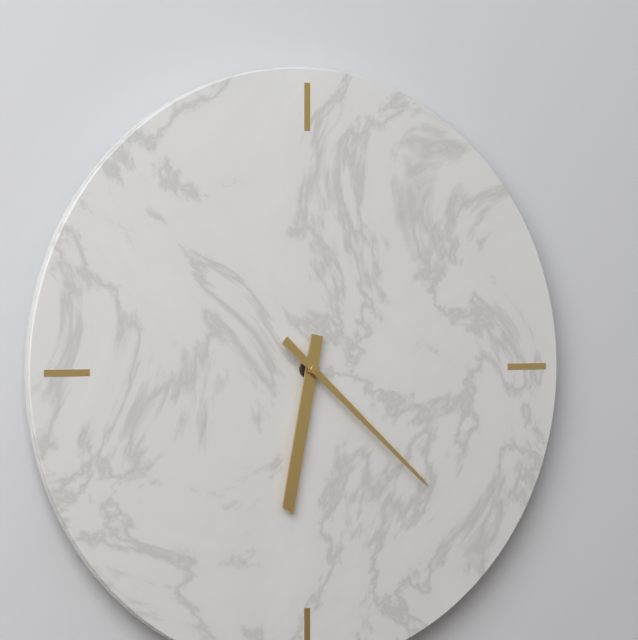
**6:22**
